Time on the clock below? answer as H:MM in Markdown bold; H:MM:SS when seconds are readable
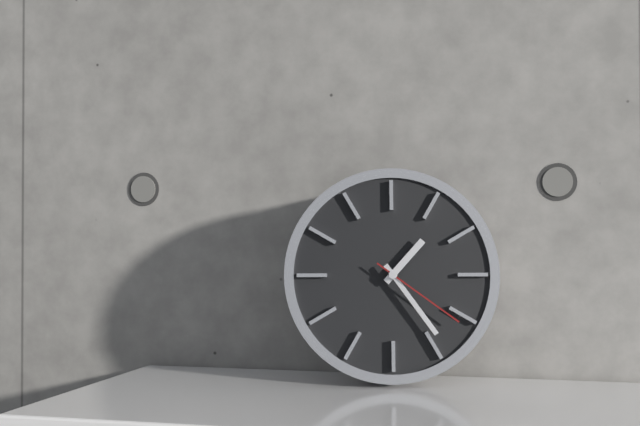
**1:24:21**
